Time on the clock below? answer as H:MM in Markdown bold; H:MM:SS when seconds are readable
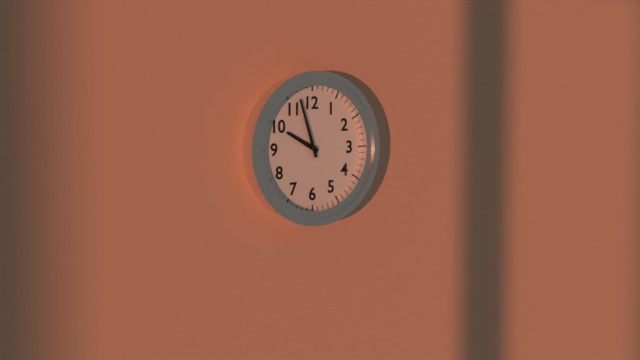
**9:57**
